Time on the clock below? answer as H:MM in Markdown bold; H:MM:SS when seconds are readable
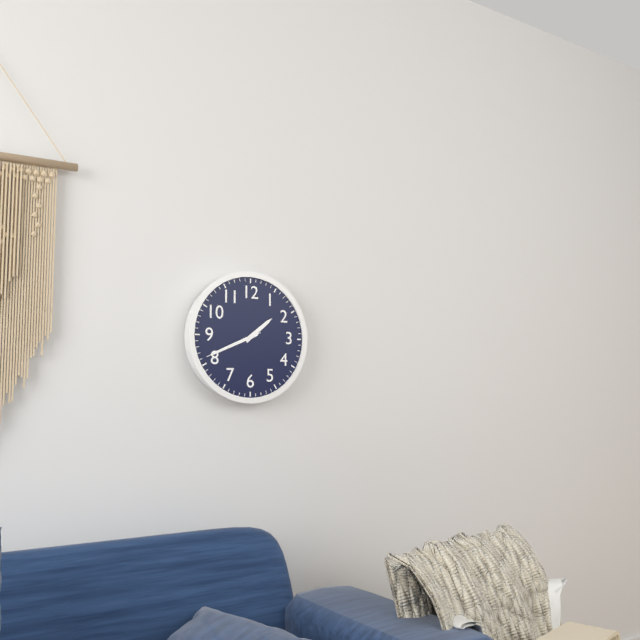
**1:41:41**
